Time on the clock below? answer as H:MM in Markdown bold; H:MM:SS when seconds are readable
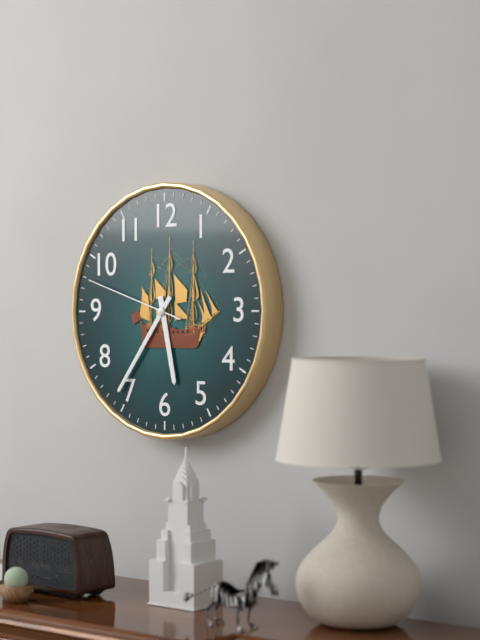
**5:36:48**
